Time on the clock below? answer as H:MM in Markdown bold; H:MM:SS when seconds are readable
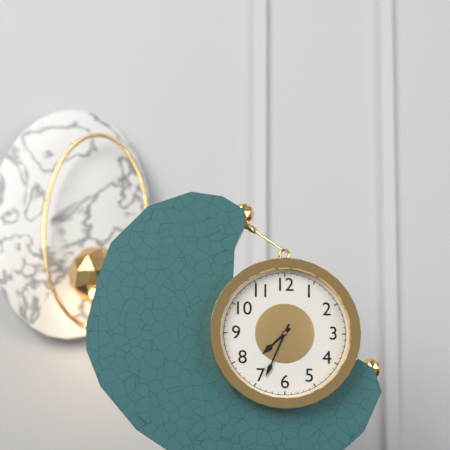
**7:34**
